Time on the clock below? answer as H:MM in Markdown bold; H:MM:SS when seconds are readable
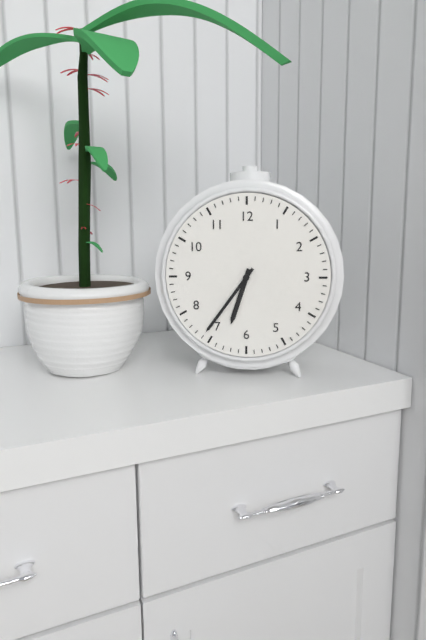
**6:36**
